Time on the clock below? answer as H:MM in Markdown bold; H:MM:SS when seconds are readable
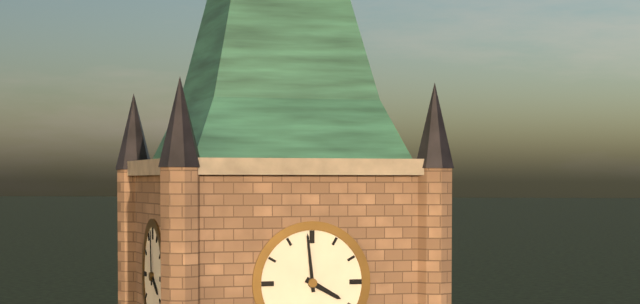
**3:59**
